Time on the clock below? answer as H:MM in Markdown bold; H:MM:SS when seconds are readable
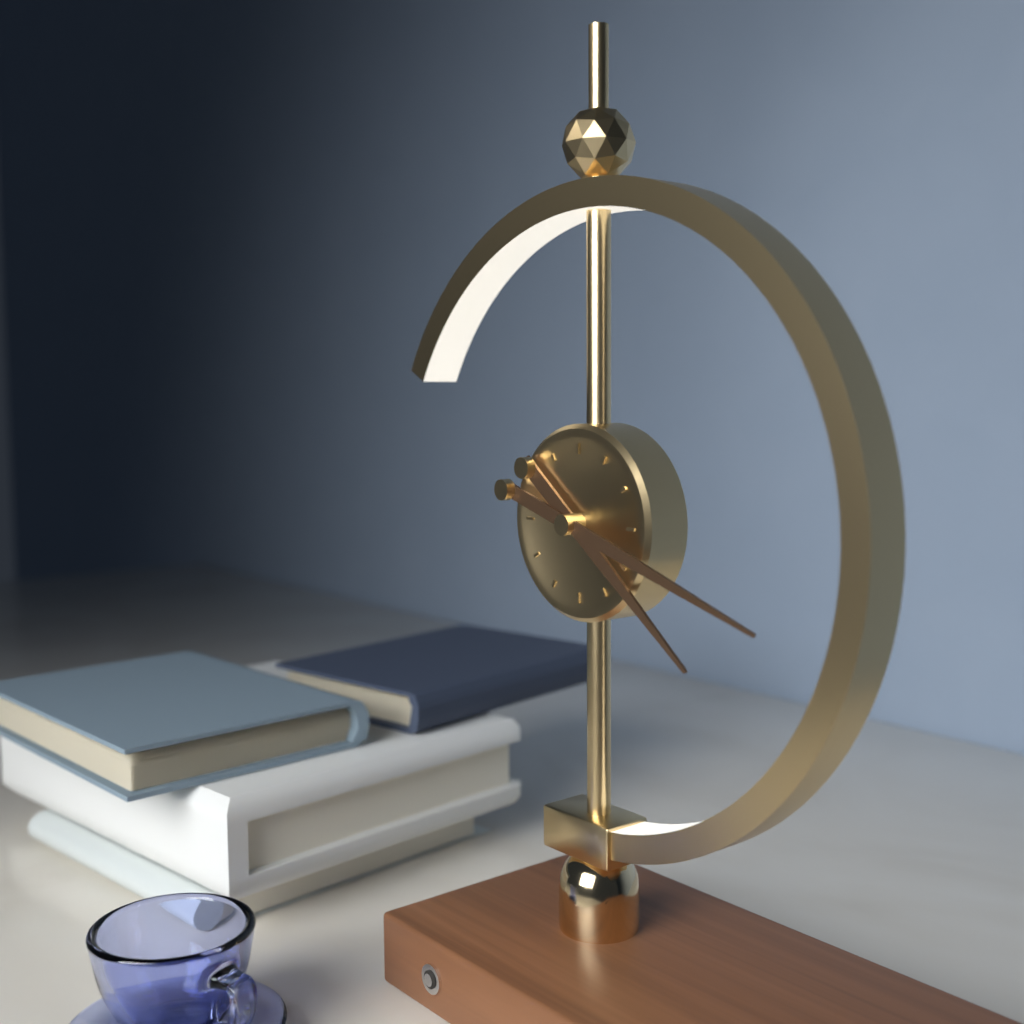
**4:18**
